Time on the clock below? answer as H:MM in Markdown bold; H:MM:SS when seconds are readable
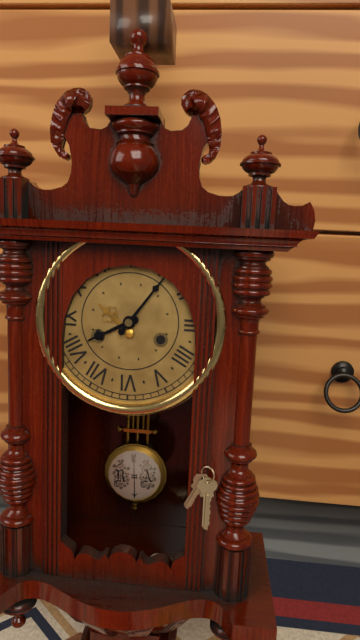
**8:06**
